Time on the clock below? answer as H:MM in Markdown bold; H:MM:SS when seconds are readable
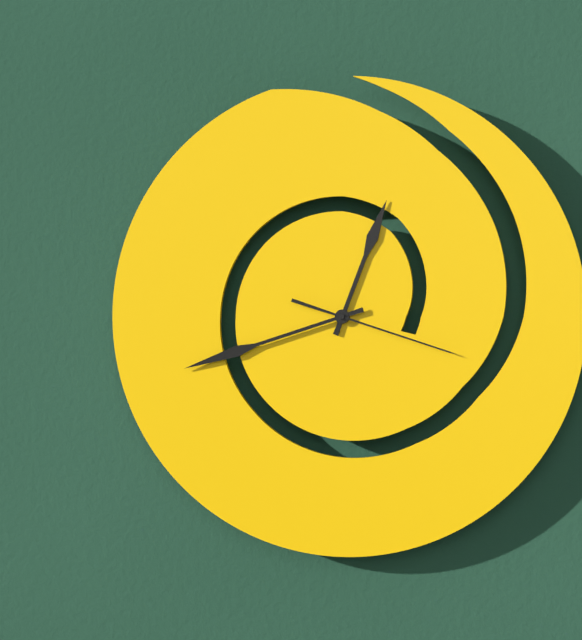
**12:42:18**
